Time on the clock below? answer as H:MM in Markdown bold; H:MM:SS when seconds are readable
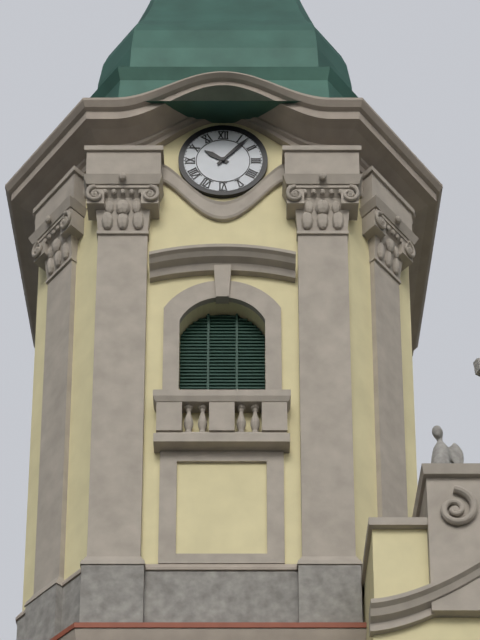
**10:07**
